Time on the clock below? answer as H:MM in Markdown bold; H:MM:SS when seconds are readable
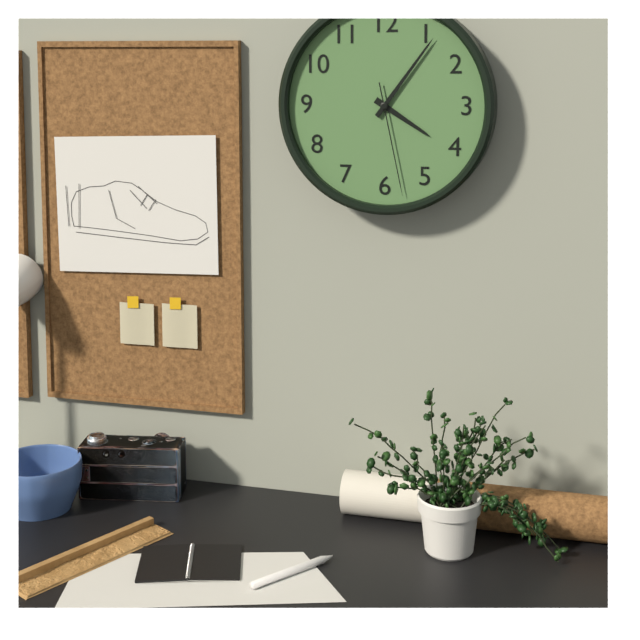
**4:06:28**
